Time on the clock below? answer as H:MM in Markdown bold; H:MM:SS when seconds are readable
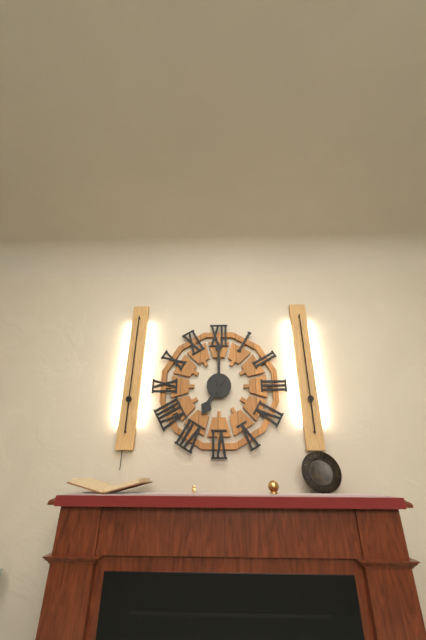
**7:00**
